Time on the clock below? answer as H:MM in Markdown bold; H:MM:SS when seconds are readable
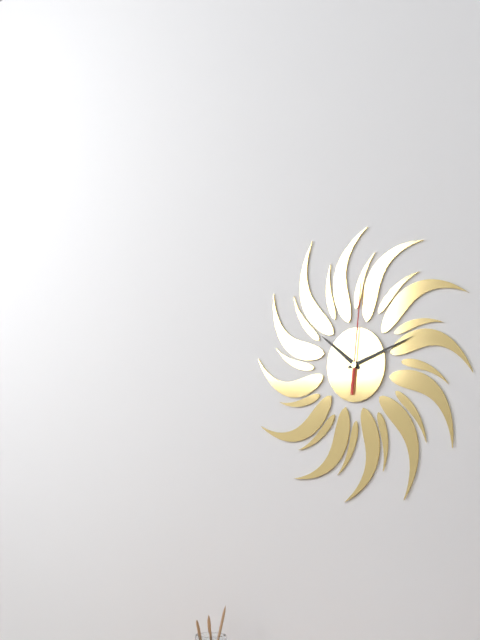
**10:12:01**
